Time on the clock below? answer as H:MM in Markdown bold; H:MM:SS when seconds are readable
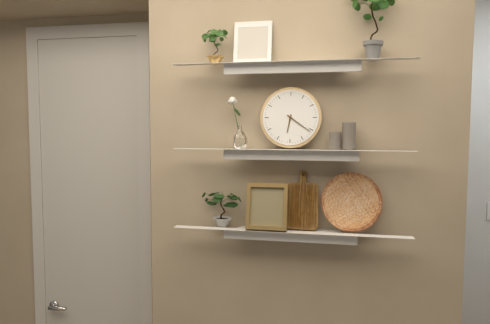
**6:21**
